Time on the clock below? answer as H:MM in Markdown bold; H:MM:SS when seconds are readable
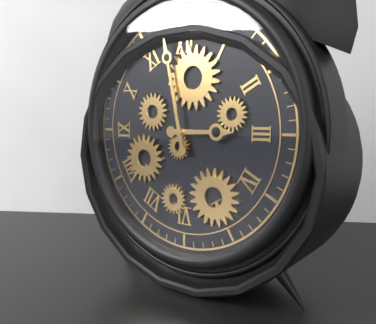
**2:58**
